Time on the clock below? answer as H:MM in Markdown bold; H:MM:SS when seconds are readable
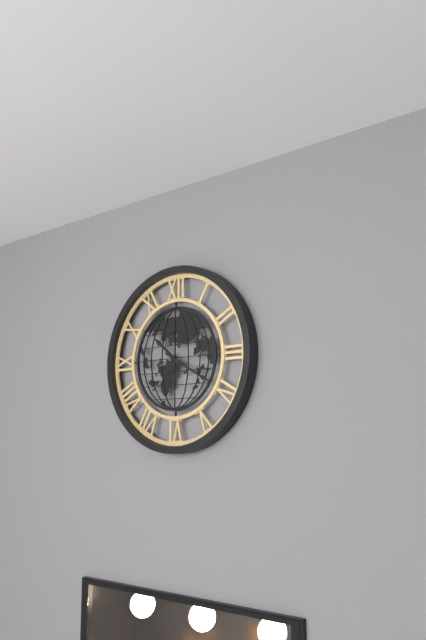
**10:20**
